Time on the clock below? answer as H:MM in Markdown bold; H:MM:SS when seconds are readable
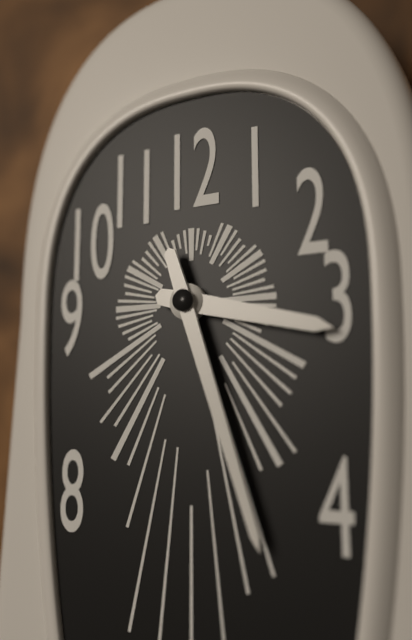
**3:27**
